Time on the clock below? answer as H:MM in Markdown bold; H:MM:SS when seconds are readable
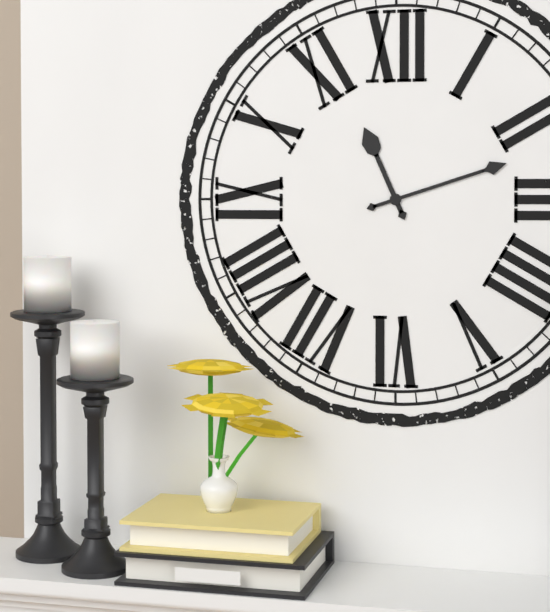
**11:12**
